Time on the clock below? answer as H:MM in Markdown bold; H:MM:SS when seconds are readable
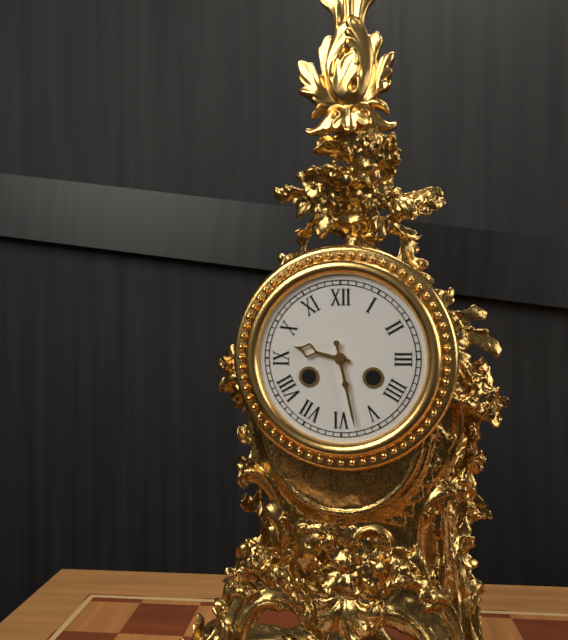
**9:28**
